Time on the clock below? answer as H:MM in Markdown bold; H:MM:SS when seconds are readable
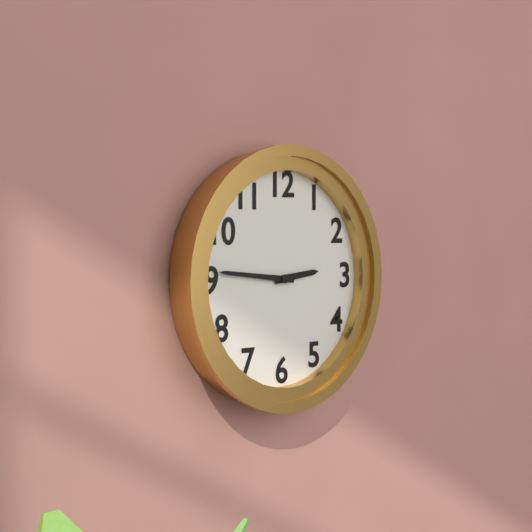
**2:46**
